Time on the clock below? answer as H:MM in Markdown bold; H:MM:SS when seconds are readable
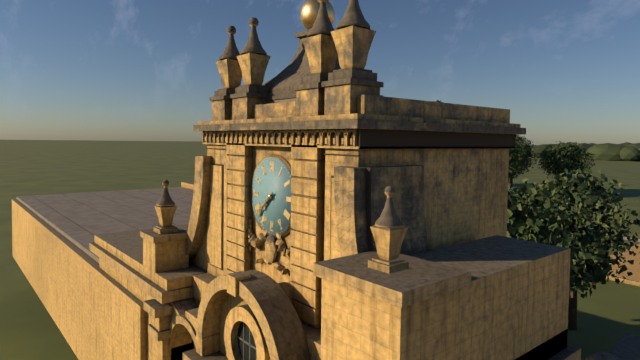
**7:38**
